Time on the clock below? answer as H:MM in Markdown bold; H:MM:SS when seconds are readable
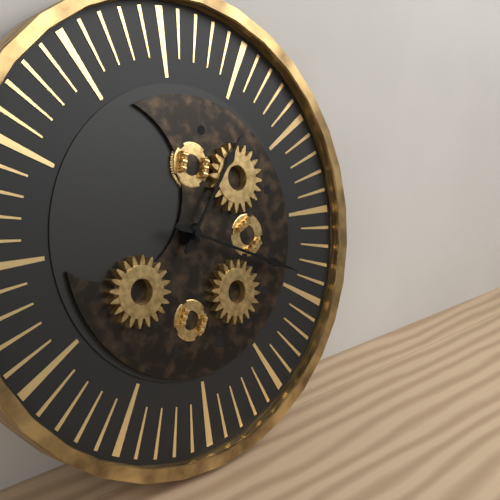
**1:19**
